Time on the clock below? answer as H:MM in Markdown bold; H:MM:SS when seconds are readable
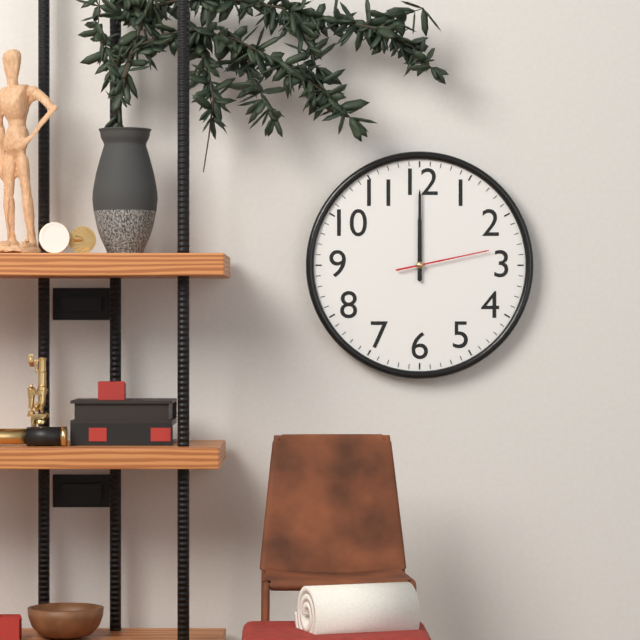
**12:00:13**
